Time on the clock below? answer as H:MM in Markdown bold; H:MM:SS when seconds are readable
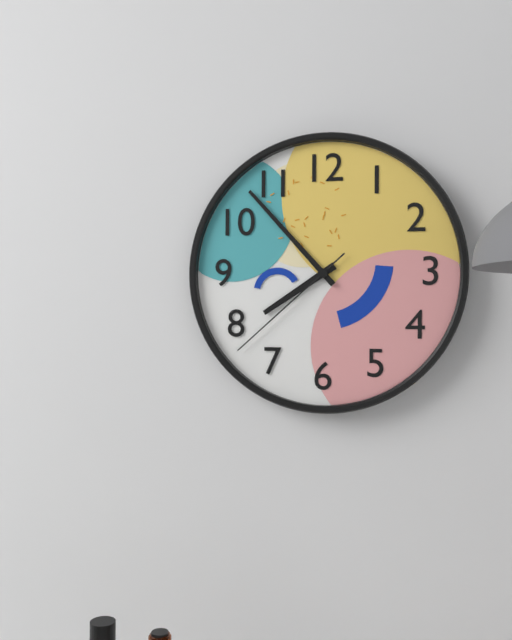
**7:53:38**
